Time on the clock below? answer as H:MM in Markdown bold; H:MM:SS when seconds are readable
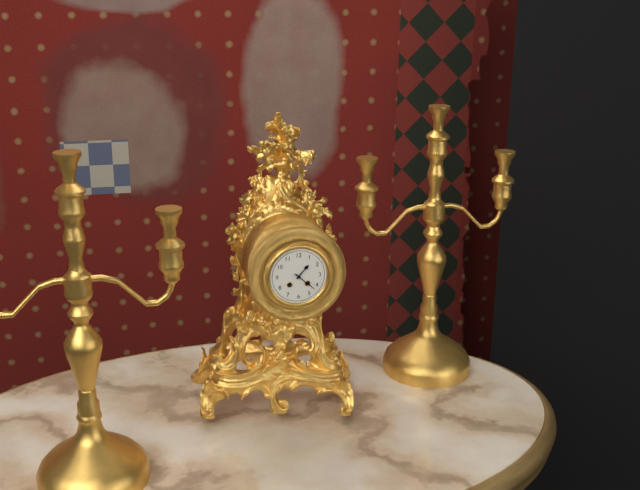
**1:22**
